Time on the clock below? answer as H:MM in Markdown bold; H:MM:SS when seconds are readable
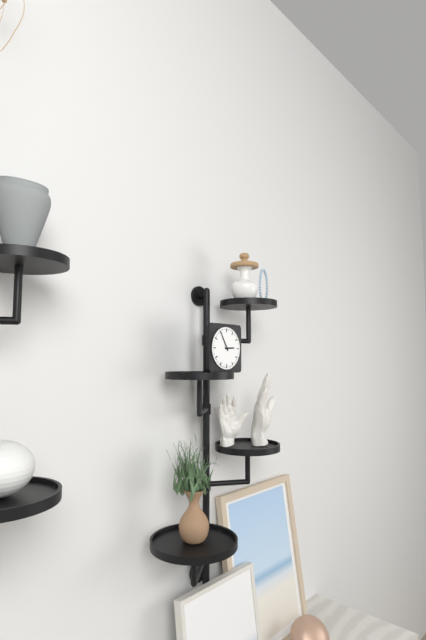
**2:55**
